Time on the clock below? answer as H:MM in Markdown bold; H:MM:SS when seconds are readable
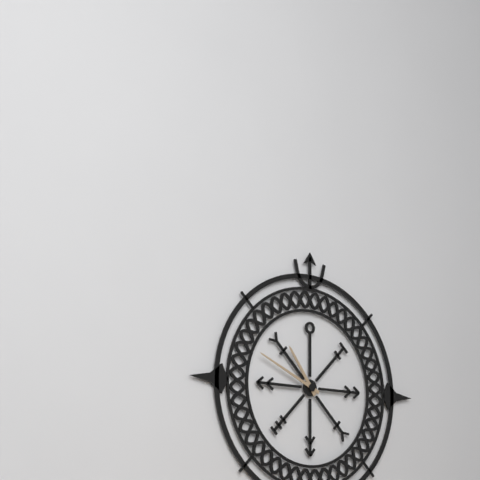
**10:49**
